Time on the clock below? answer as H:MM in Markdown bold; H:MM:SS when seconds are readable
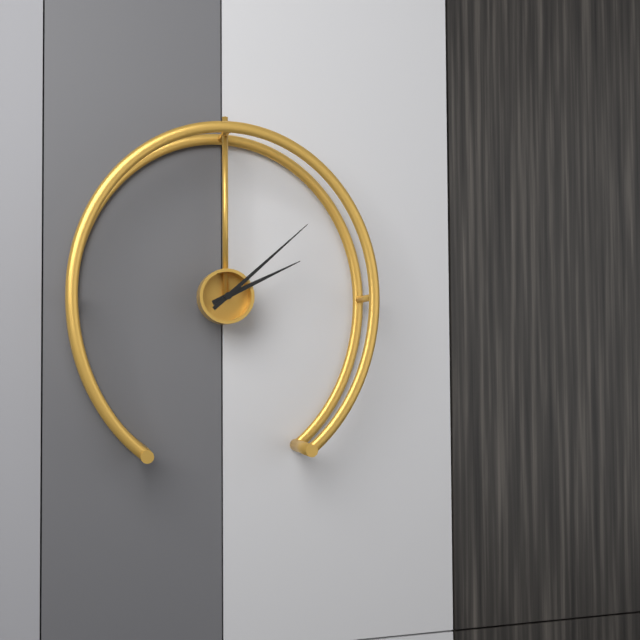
**2:08**
